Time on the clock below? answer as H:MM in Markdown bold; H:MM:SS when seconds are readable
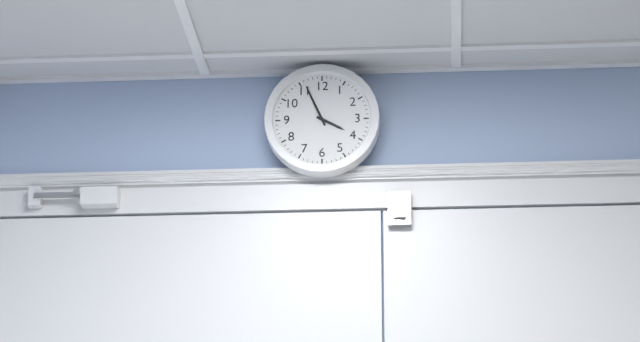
**3:56**
